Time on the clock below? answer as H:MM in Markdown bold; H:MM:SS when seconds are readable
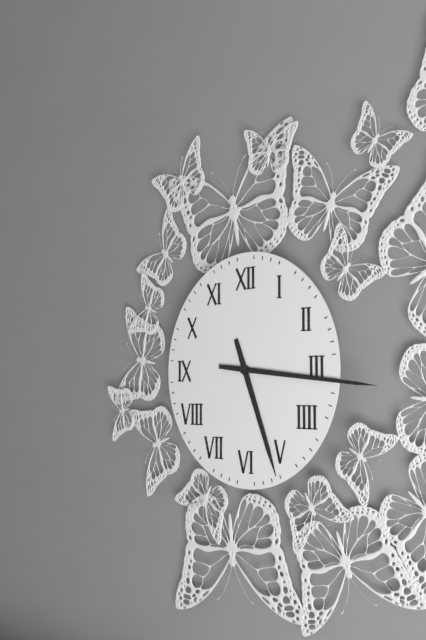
**5:16**
